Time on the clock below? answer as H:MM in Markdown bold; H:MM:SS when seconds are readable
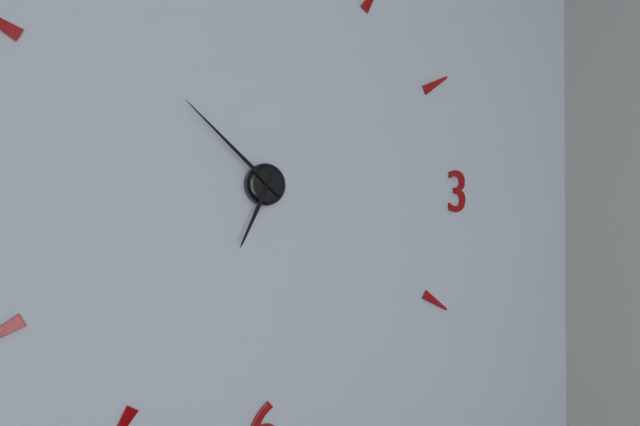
**6:52**
